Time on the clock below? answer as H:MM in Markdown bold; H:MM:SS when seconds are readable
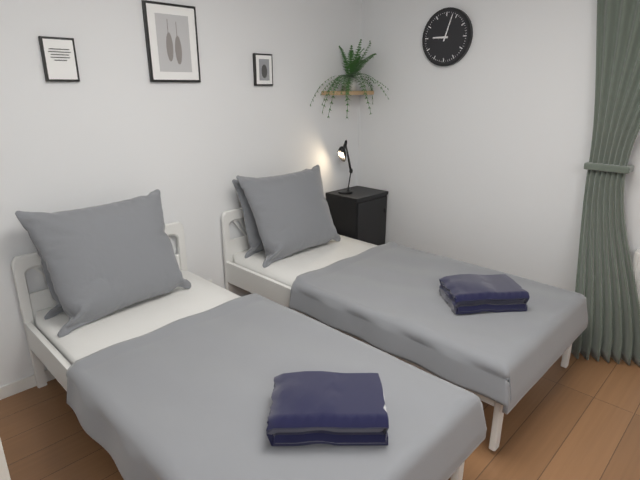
**9:03**
